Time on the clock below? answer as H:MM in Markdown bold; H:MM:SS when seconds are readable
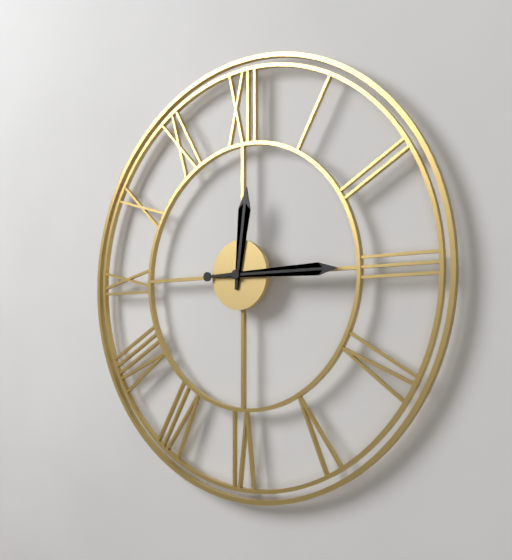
**12:15**
